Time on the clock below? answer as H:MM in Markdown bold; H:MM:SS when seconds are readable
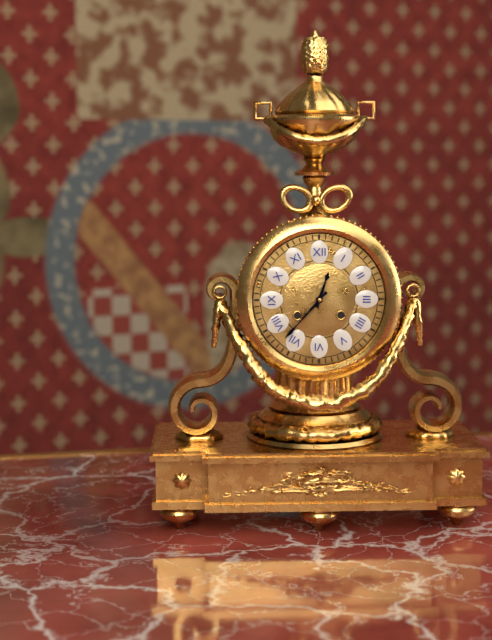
**12:37**
